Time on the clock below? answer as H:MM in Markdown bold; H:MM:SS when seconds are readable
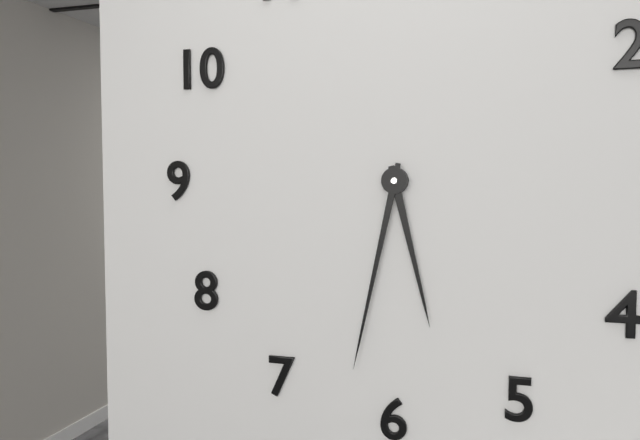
**5:32**
